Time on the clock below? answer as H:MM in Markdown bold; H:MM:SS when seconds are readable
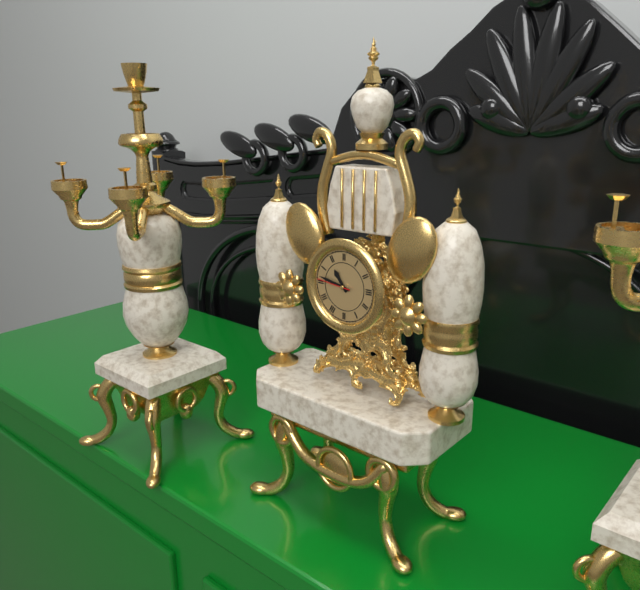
**10:47**
